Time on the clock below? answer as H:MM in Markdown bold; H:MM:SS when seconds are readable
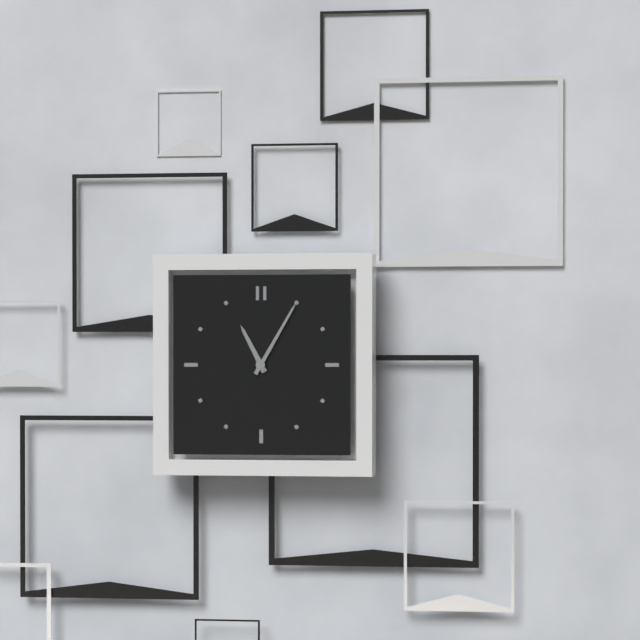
**11:05**
